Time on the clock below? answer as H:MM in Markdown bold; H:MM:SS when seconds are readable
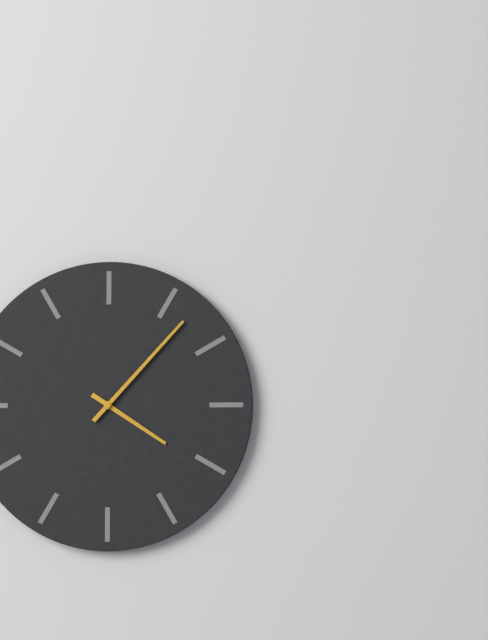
**4:07**
